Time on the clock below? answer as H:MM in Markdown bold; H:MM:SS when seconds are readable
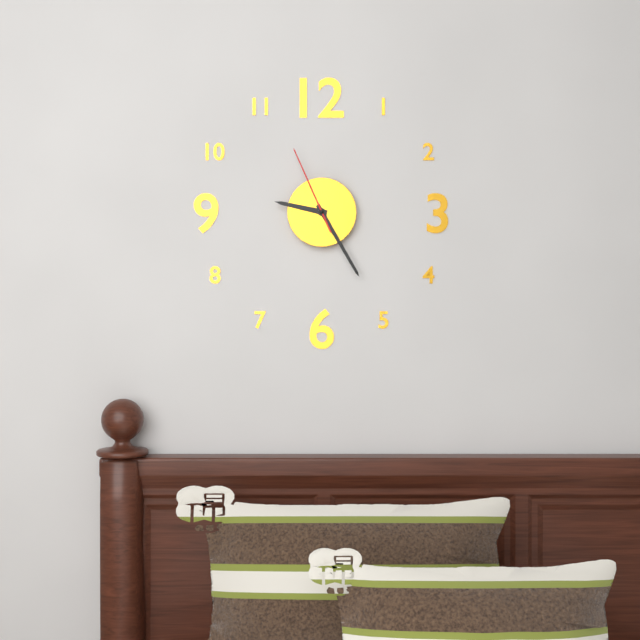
**9:25:56**
